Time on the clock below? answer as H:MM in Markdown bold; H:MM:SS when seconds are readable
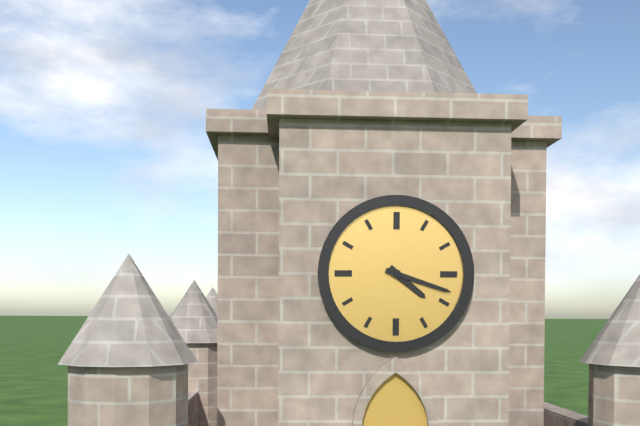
**4:18**
